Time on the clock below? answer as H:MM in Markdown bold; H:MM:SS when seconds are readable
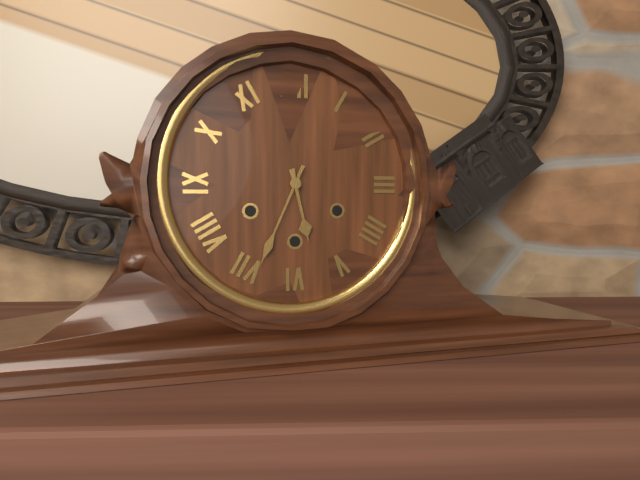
**5:34**
